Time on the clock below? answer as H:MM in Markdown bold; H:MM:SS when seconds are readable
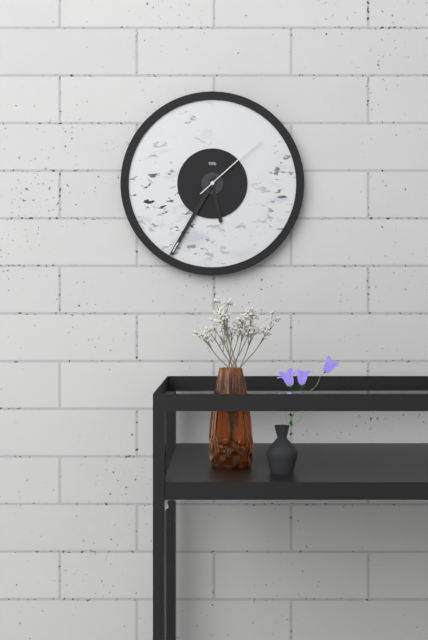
**5:35:08**
